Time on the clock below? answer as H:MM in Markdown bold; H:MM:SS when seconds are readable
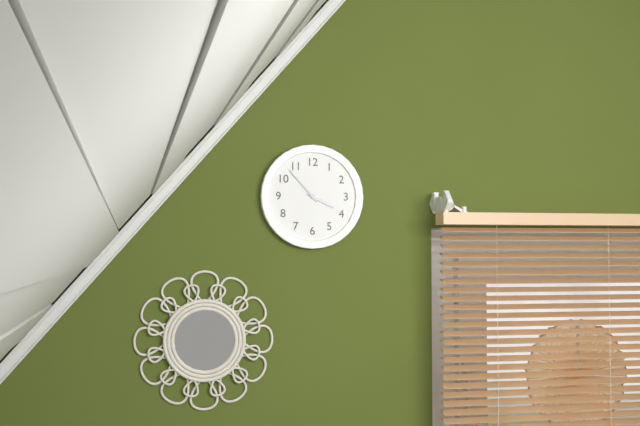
**3:53**
